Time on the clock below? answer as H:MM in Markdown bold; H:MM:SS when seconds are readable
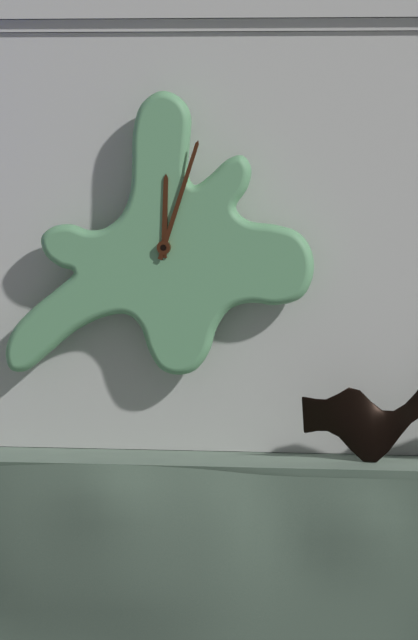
**12:03**
